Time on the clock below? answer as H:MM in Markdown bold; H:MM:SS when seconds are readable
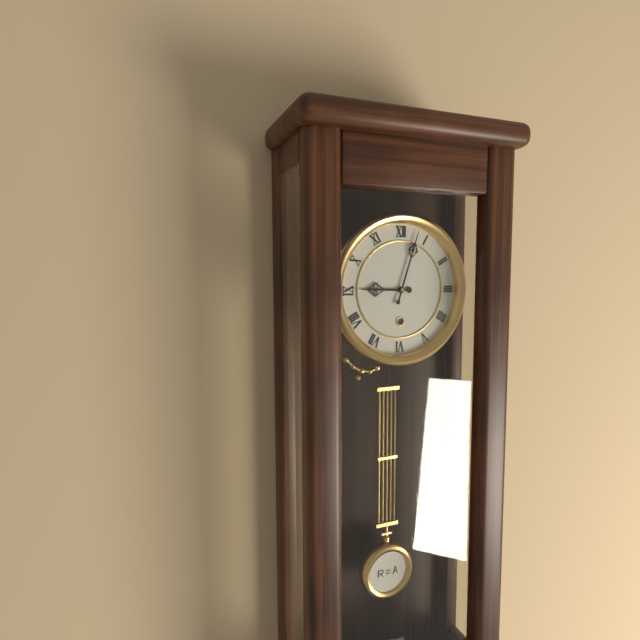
**9:03**
